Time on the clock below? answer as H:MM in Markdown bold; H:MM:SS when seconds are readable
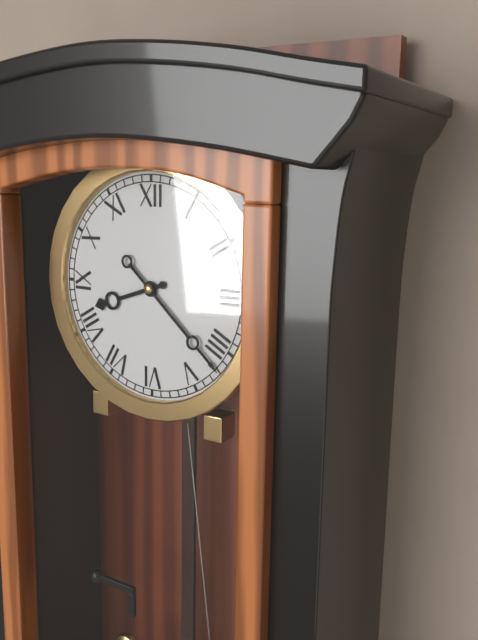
**8:22**
